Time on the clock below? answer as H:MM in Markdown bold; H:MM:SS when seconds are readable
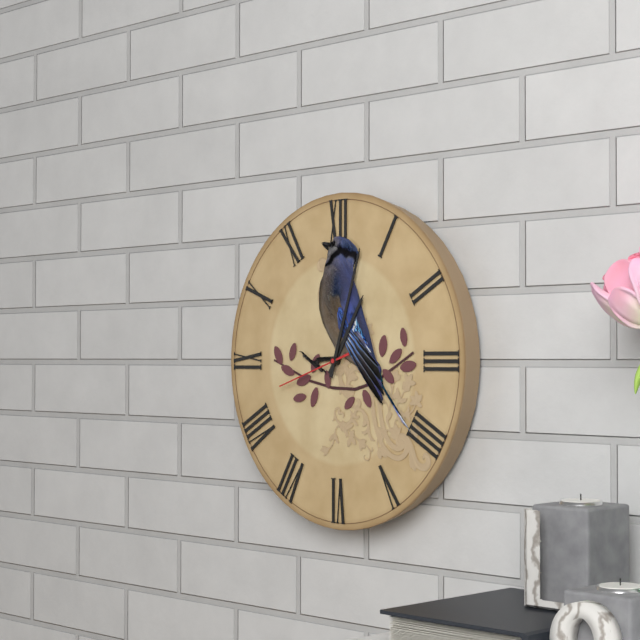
**1:03:42**
